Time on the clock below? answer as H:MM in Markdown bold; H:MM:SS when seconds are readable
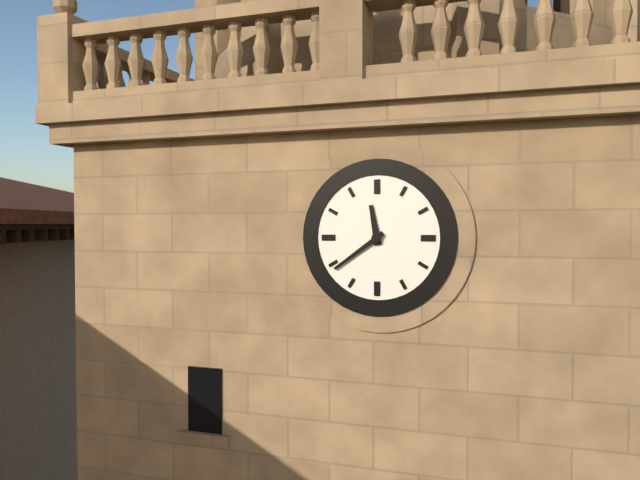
**11:39**
